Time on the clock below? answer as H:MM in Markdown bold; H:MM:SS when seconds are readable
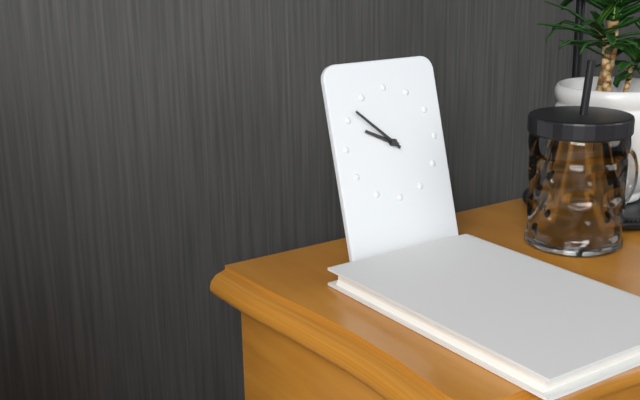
**9:52**
